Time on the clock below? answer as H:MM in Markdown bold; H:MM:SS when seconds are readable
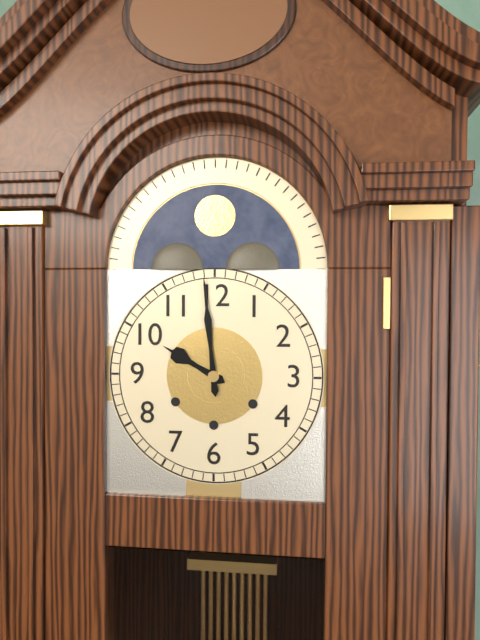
**9:59**
